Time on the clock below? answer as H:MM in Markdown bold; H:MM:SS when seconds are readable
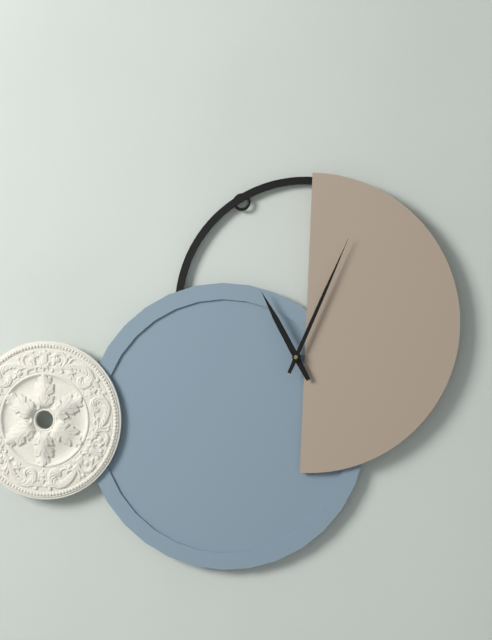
**11:04**
